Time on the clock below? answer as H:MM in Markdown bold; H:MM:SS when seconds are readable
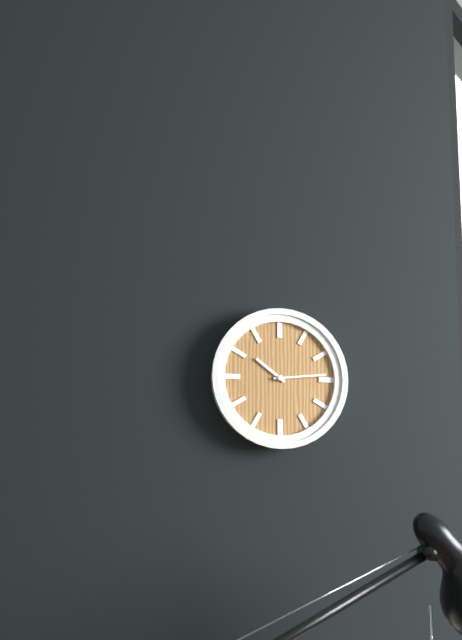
**10:14**
